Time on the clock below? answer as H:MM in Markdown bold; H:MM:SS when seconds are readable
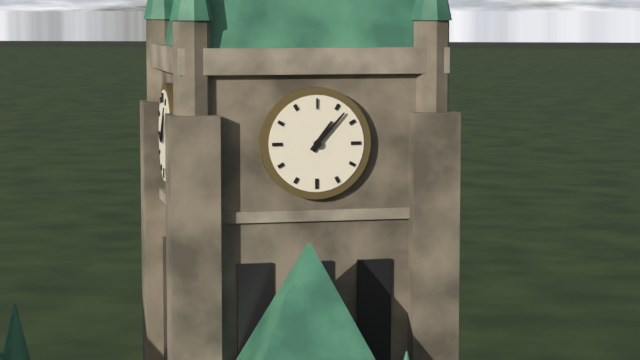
**1:07**
